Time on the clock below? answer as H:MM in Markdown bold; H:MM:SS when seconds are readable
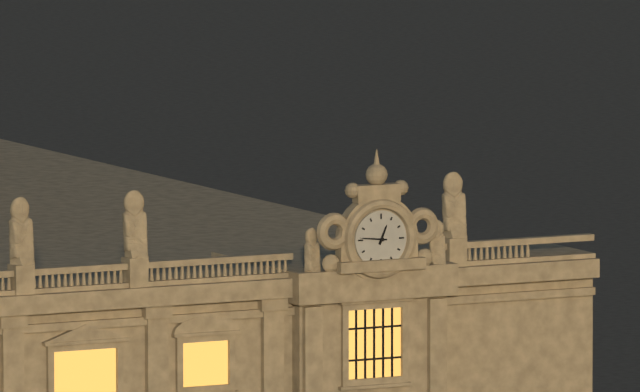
**12:46**
